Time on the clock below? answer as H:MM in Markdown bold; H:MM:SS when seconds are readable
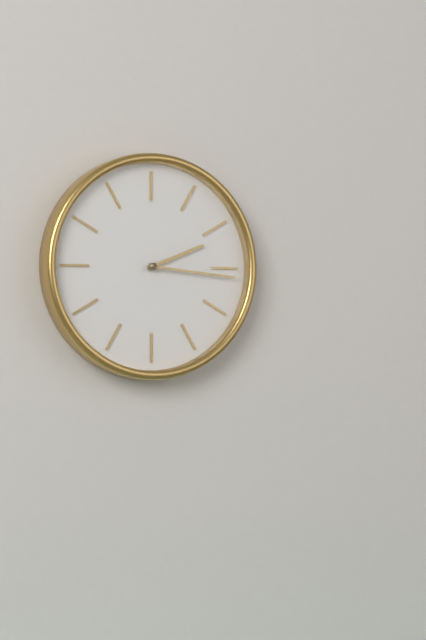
**2:16**
